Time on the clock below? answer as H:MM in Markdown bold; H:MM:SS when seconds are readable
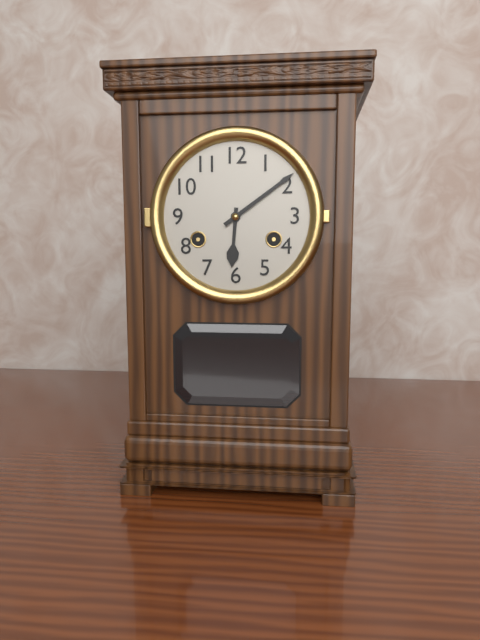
**6:09**
